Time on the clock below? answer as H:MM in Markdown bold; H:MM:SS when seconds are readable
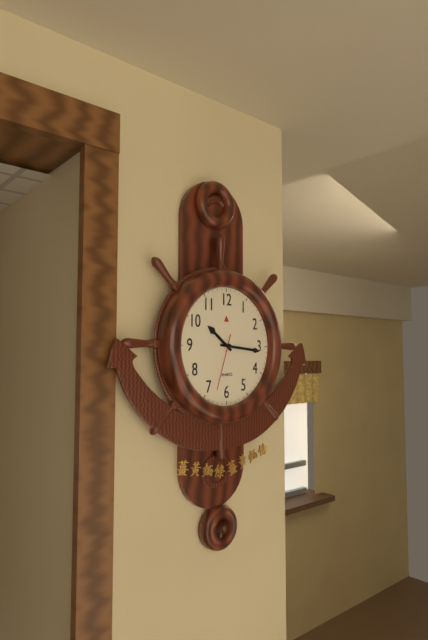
**10:16:33**
